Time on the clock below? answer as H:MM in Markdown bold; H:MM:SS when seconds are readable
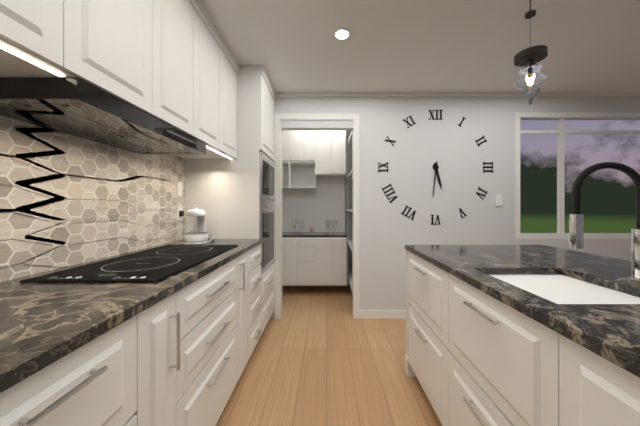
**5:31**
